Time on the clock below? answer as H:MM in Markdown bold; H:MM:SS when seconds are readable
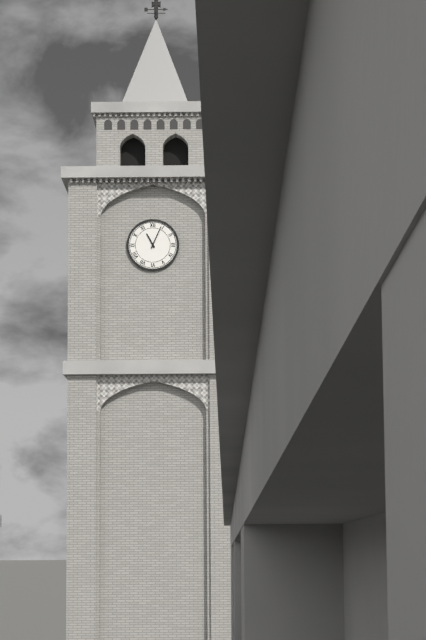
**11:04**
